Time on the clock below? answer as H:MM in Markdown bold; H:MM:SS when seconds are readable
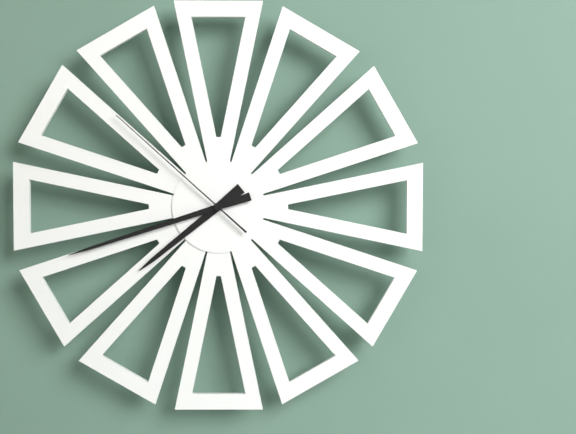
**7:42:52**
